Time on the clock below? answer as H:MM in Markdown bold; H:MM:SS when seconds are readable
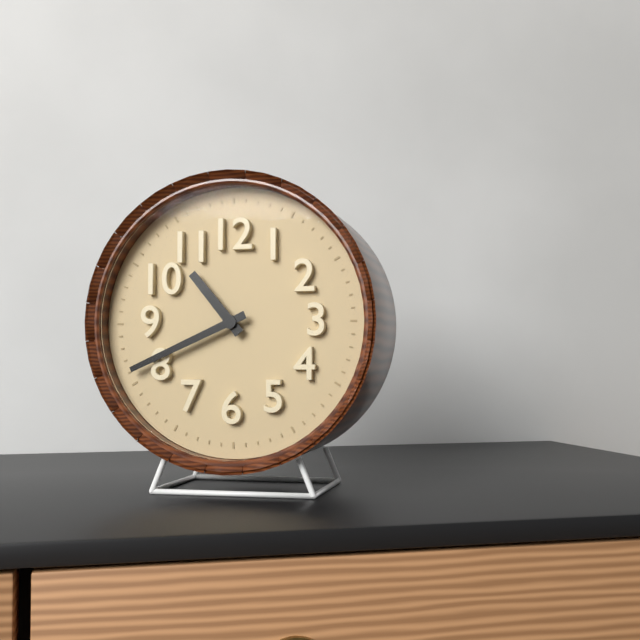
**10:41**
